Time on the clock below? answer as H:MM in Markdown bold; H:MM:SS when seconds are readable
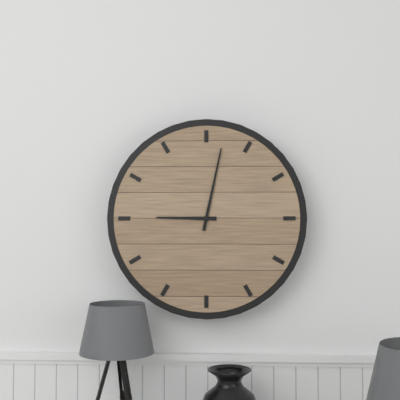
**9:02**
